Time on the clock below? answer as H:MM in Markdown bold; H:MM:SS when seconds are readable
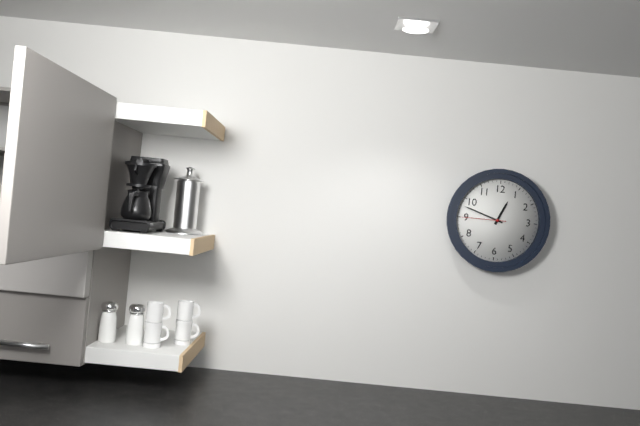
**12:48**
